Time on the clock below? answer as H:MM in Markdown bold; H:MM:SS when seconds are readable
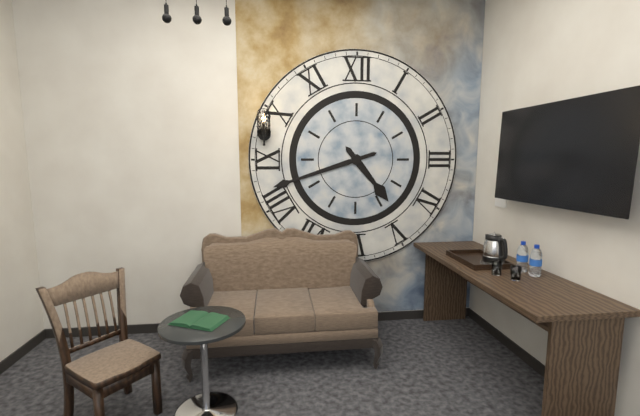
**4:42**
